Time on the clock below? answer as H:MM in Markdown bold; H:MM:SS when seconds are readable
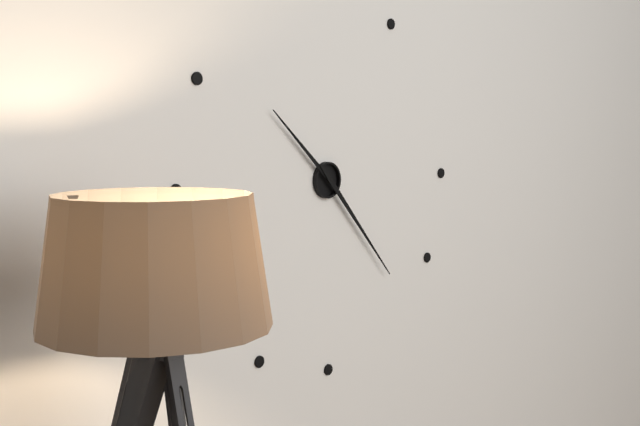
**10:23**
